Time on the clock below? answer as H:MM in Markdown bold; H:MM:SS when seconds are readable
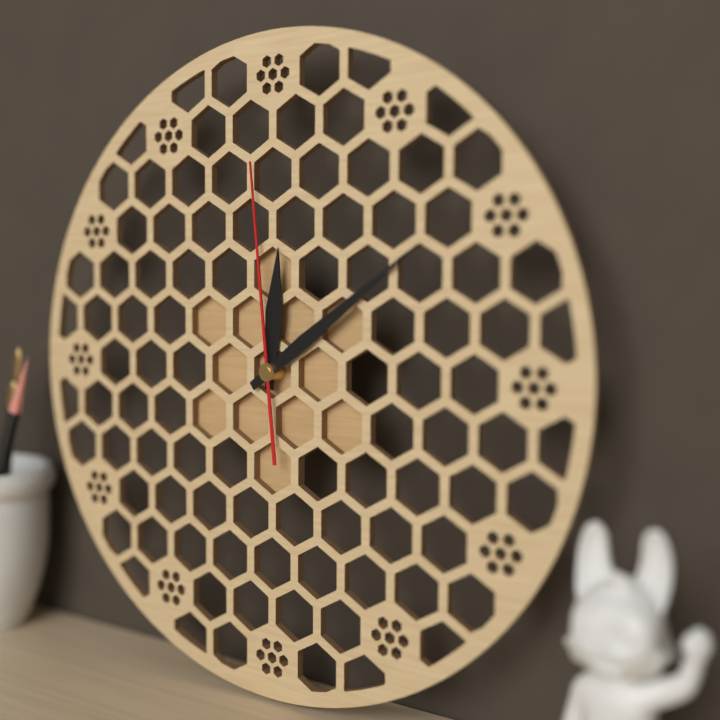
**12:09:59**
